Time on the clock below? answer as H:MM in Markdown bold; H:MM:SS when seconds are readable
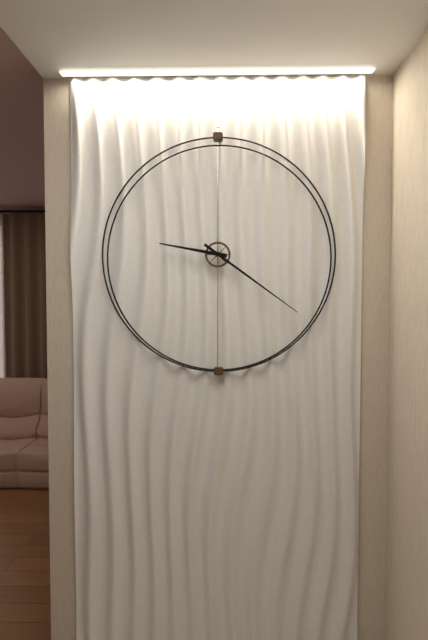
**9:21**
